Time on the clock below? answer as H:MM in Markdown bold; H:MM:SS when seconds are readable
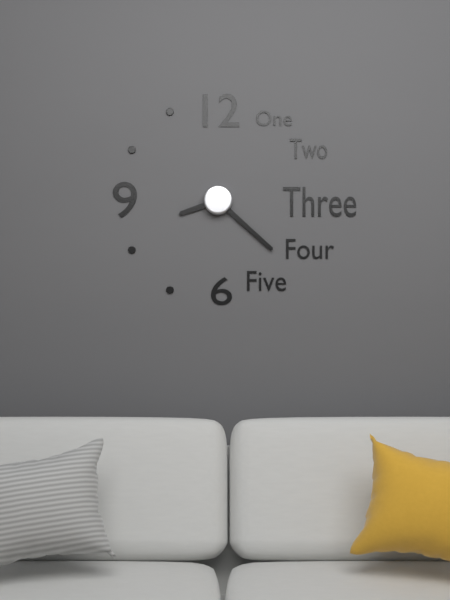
**8:22**
